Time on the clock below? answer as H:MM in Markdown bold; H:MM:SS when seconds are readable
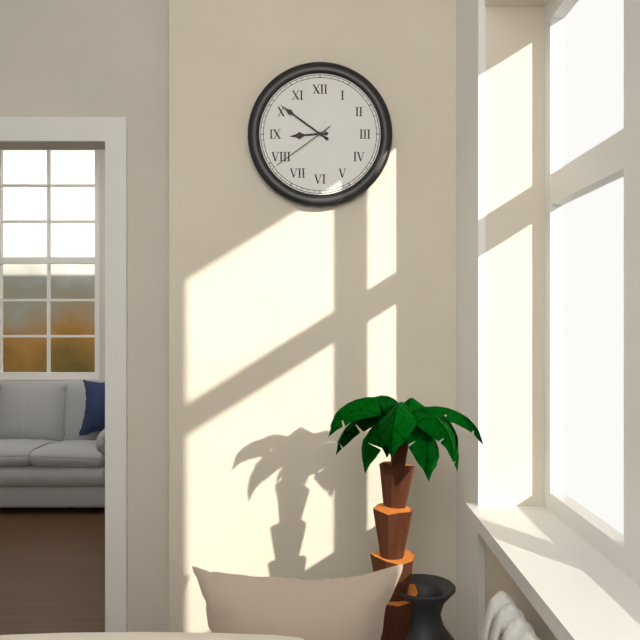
**8:51:39**
